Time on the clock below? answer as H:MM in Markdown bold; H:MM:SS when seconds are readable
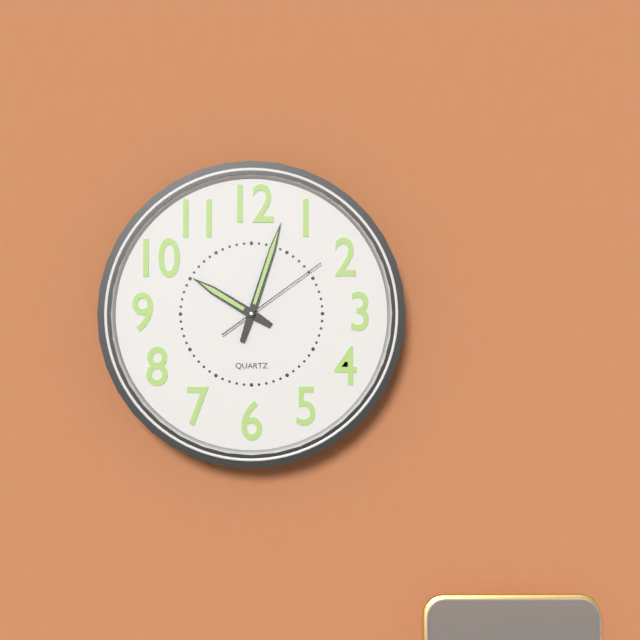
**10:03:09**
